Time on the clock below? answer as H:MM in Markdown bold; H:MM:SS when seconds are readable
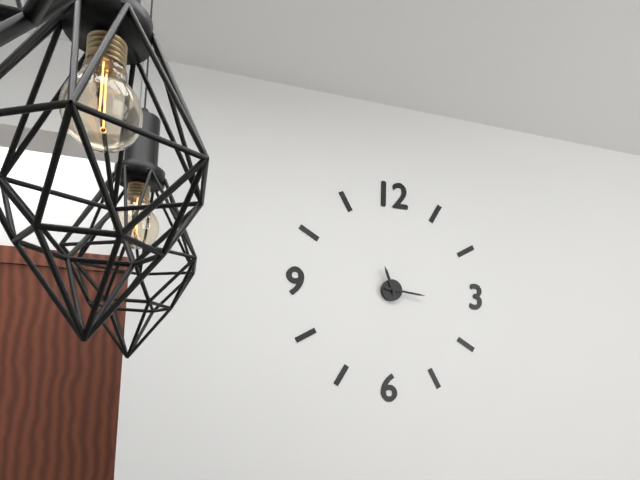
**11:16**
